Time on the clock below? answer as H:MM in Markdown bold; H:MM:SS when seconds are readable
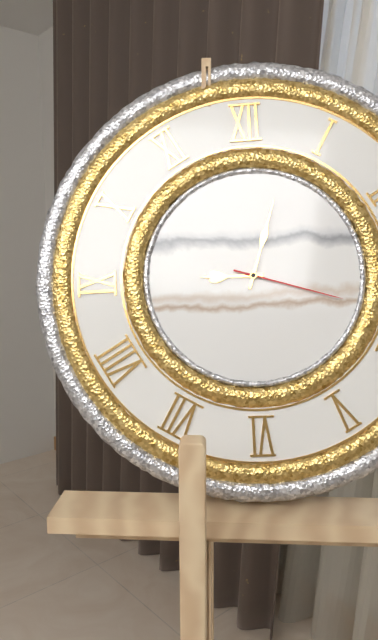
**9:03:18**
